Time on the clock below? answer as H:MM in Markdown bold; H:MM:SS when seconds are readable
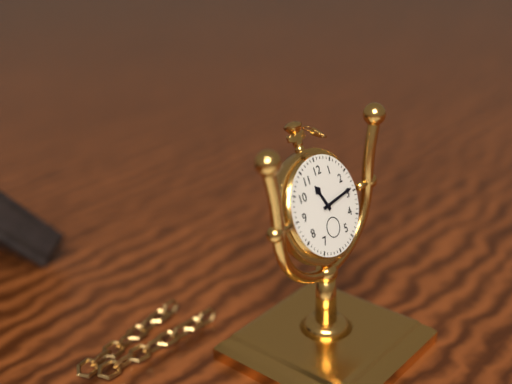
**11:14**
